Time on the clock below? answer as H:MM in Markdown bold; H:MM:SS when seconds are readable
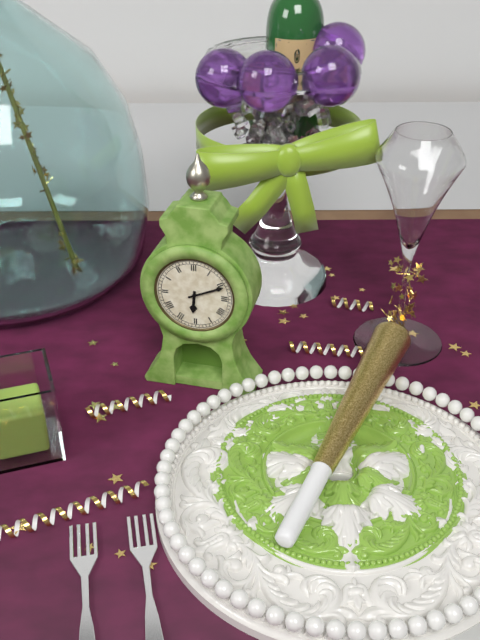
**6:11**
